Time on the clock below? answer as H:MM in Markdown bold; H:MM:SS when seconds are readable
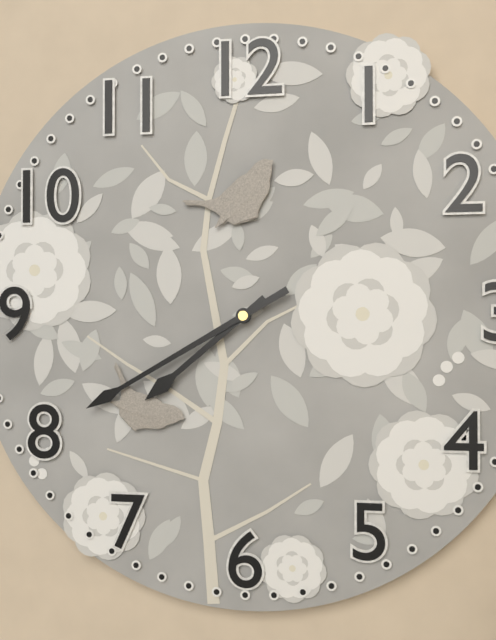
**7:40**
